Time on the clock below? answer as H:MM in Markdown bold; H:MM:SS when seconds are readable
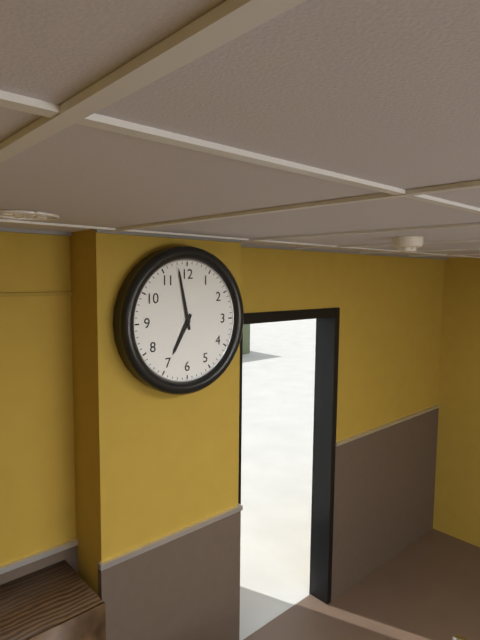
**6:58**
